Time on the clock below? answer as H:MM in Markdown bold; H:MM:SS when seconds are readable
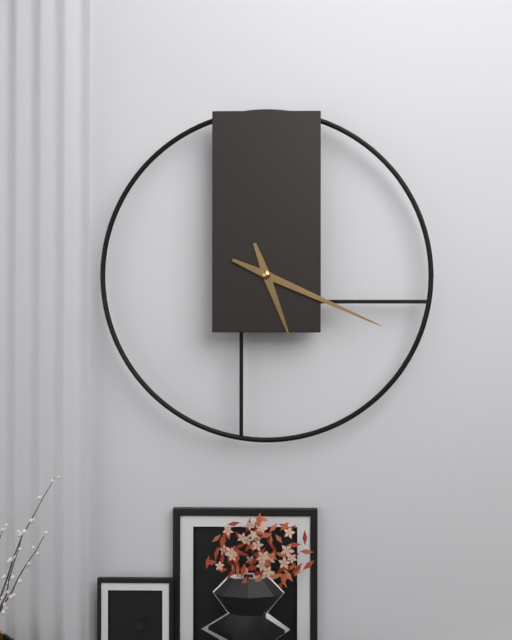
**5:19**
